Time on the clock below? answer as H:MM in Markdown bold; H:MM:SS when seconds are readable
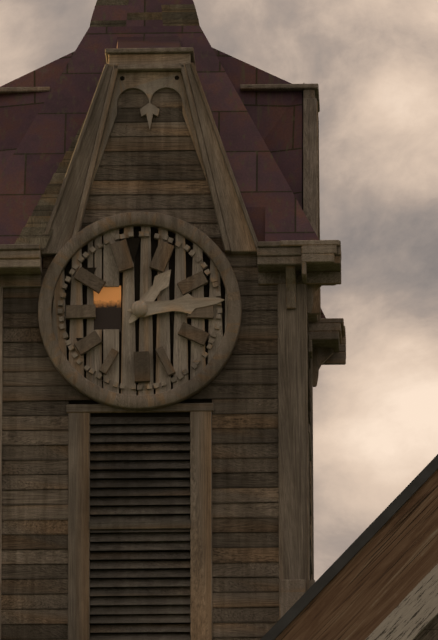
**1:14**
